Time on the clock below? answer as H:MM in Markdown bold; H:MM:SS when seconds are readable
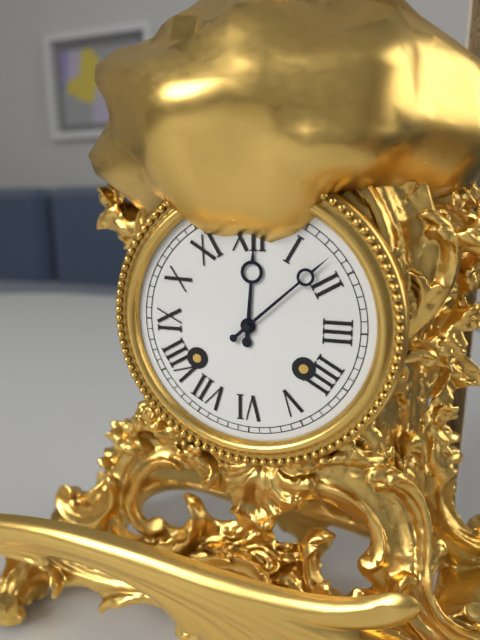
**12:08**
